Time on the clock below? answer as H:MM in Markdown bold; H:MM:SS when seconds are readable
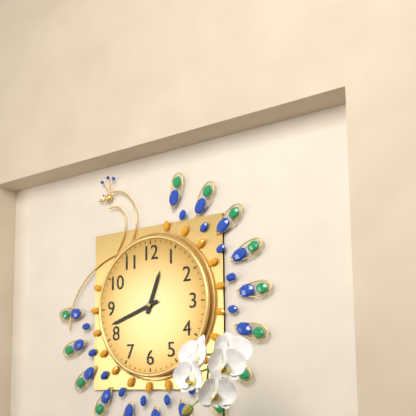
**12:42**
